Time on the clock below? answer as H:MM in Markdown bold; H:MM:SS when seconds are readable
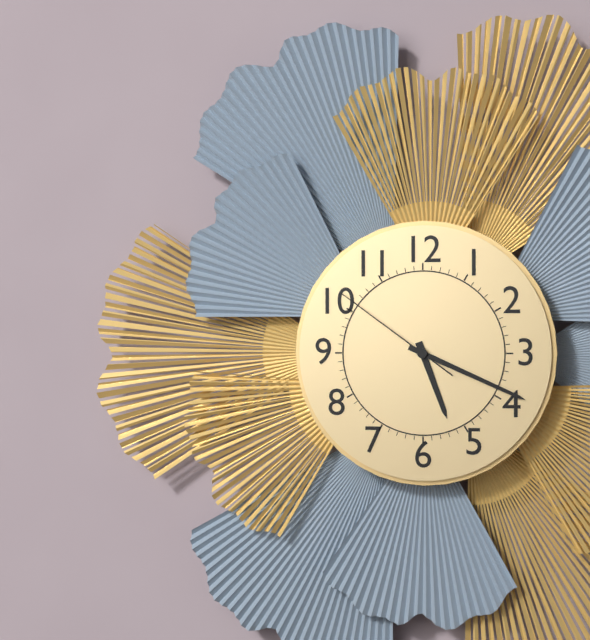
**5:19:51**
